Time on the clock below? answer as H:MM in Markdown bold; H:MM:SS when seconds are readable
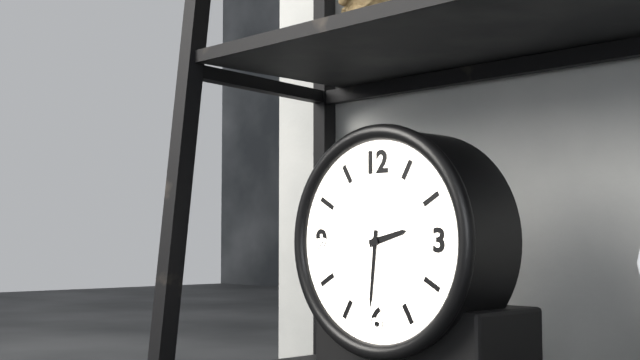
**2:31**
